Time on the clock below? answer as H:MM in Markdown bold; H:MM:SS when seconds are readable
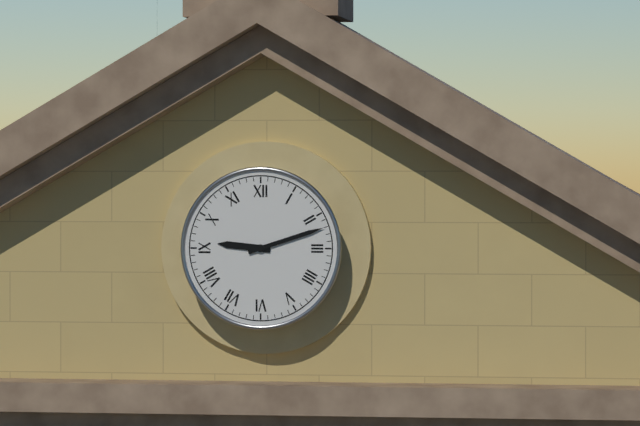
**9:12**
